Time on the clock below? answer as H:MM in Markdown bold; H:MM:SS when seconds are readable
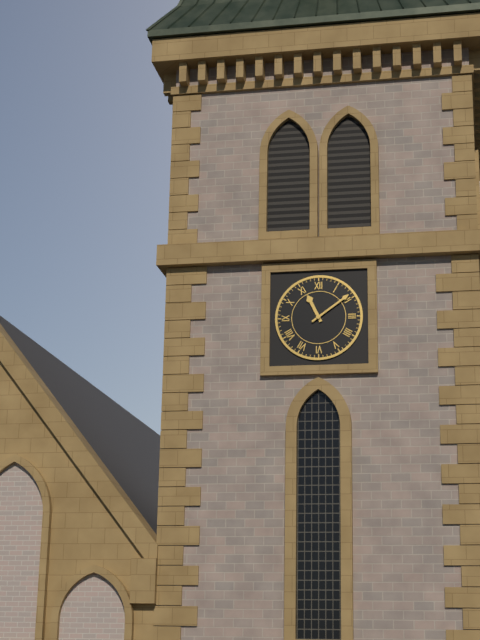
**11:09**
